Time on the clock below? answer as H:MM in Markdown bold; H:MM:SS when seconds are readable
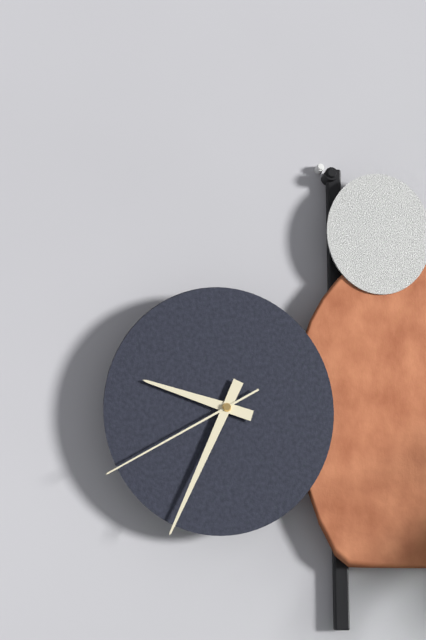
**9:34:40**
